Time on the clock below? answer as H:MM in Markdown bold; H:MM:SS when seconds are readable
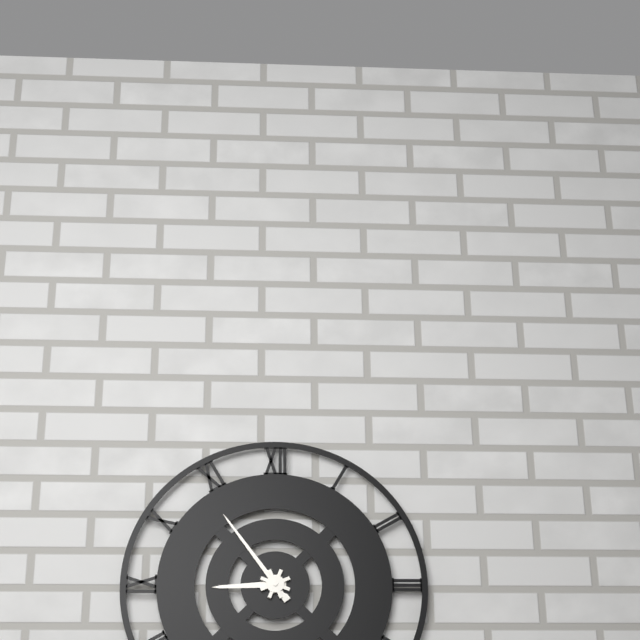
**8:54**
